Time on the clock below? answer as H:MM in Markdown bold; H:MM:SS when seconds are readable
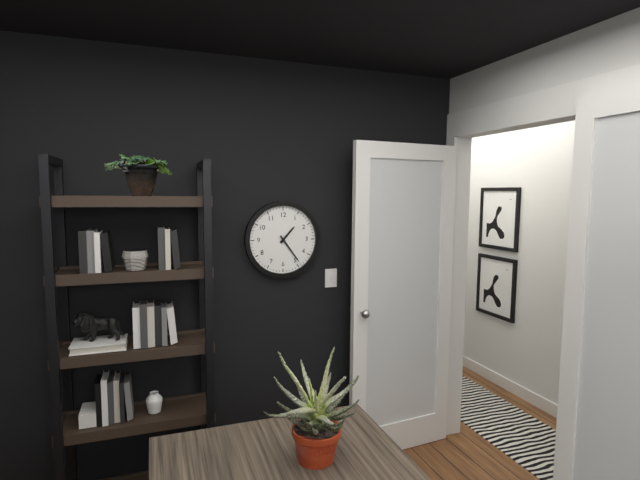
**1:24**
